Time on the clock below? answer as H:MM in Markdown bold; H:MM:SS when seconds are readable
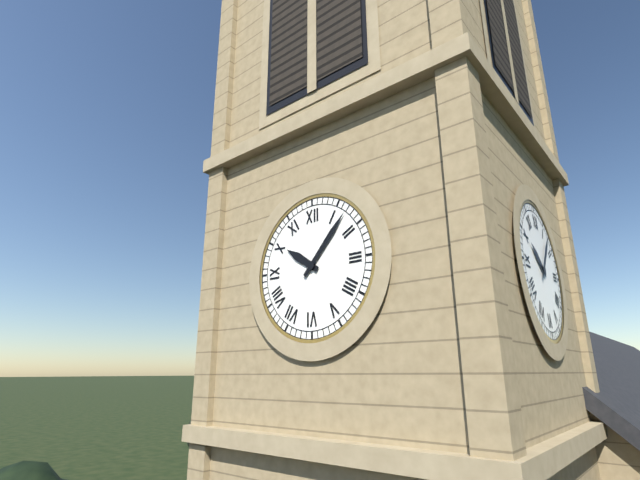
**10:07**
